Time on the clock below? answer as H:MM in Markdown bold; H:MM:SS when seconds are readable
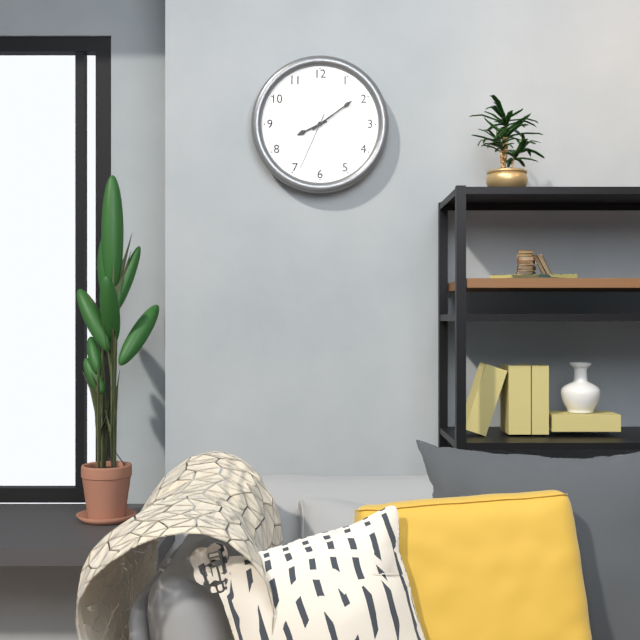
**8:09:34**
